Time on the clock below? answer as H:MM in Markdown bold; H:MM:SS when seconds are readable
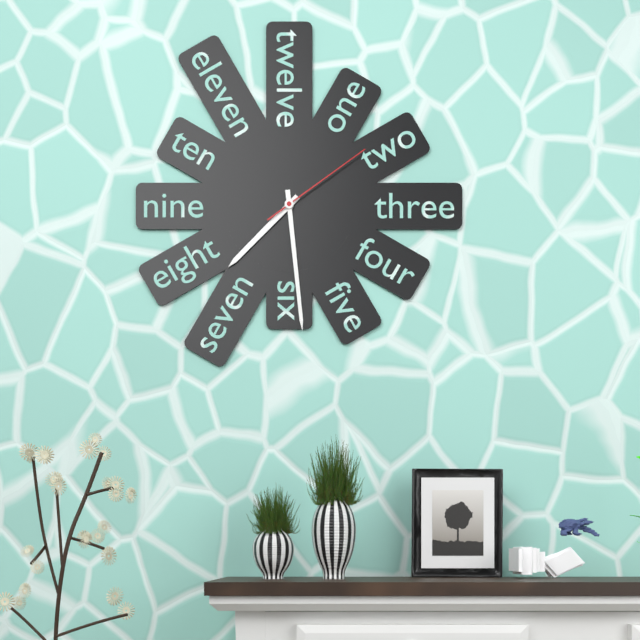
**7:29:09**
